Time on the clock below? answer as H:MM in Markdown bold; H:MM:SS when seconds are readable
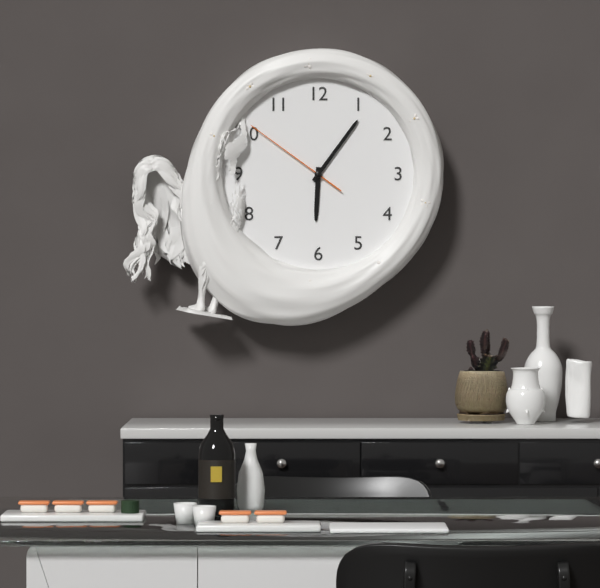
**6:06:51**
